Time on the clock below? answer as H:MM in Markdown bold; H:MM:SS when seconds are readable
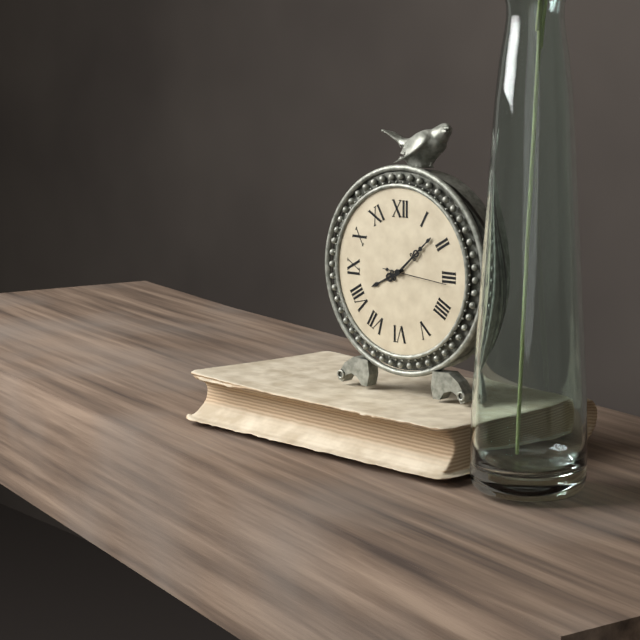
**8:08:16**
